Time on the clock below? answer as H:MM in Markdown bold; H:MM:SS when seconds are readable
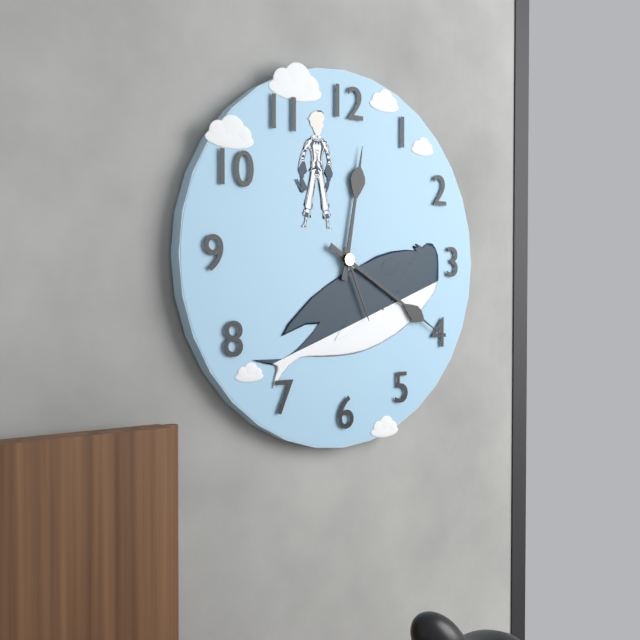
**12:20:26**
